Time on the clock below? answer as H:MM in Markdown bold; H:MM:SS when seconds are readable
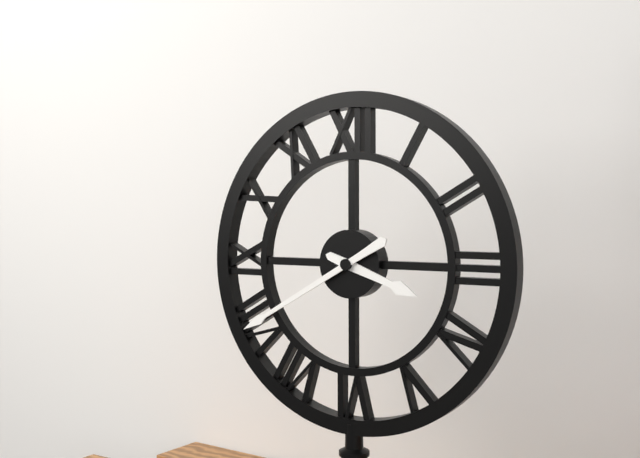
**3:40**
